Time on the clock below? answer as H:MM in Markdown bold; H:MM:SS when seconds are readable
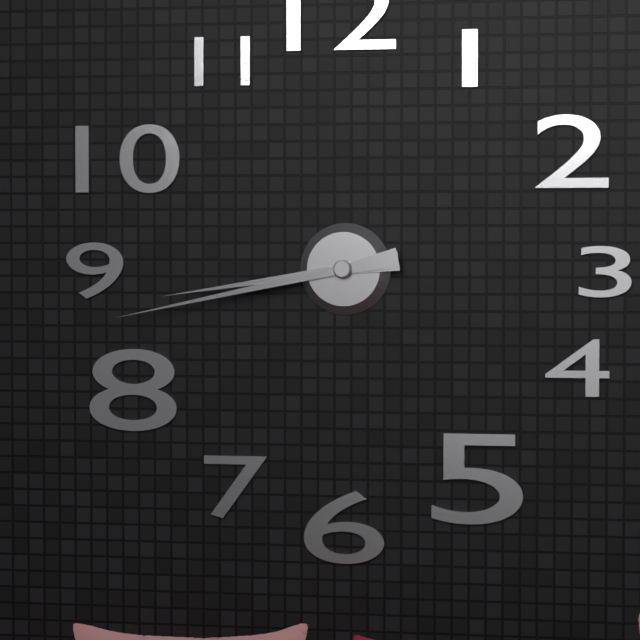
**8:43**
